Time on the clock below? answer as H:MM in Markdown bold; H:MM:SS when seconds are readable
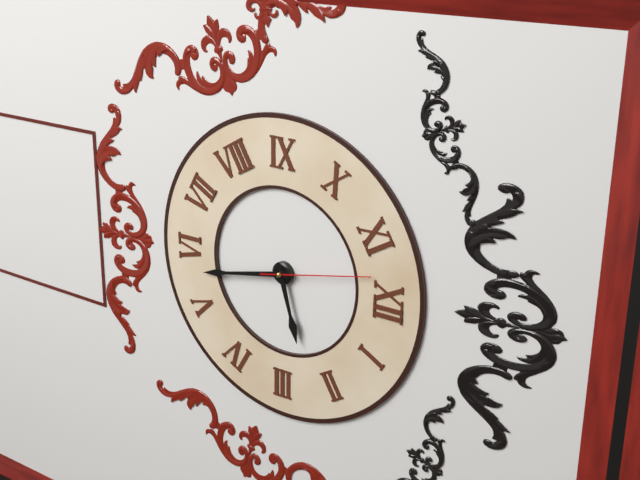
**2:28:58**
